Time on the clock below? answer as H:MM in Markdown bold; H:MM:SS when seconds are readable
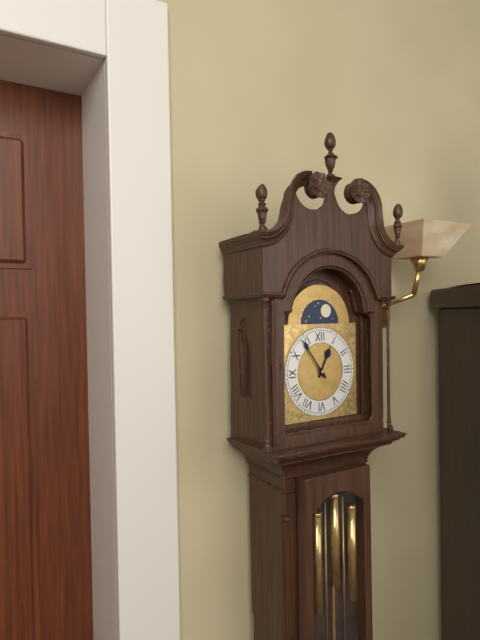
**12:54**
